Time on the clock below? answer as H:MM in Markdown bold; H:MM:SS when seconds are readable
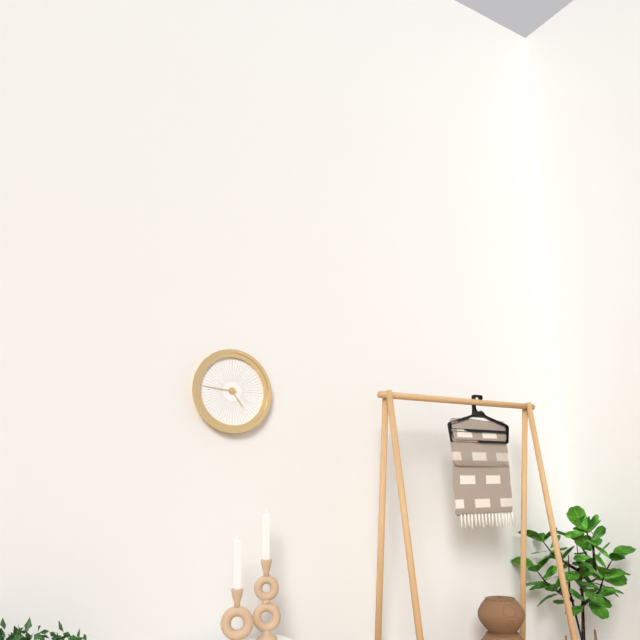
**4:46**
